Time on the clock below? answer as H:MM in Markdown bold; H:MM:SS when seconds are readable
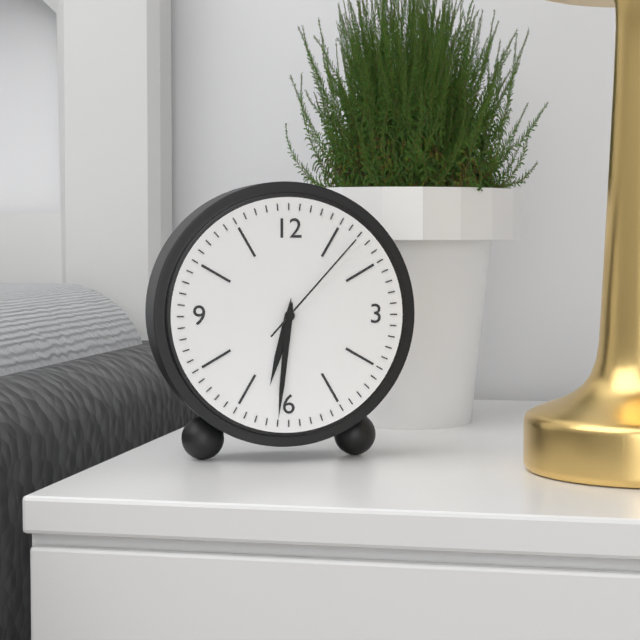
**6:31:07**
